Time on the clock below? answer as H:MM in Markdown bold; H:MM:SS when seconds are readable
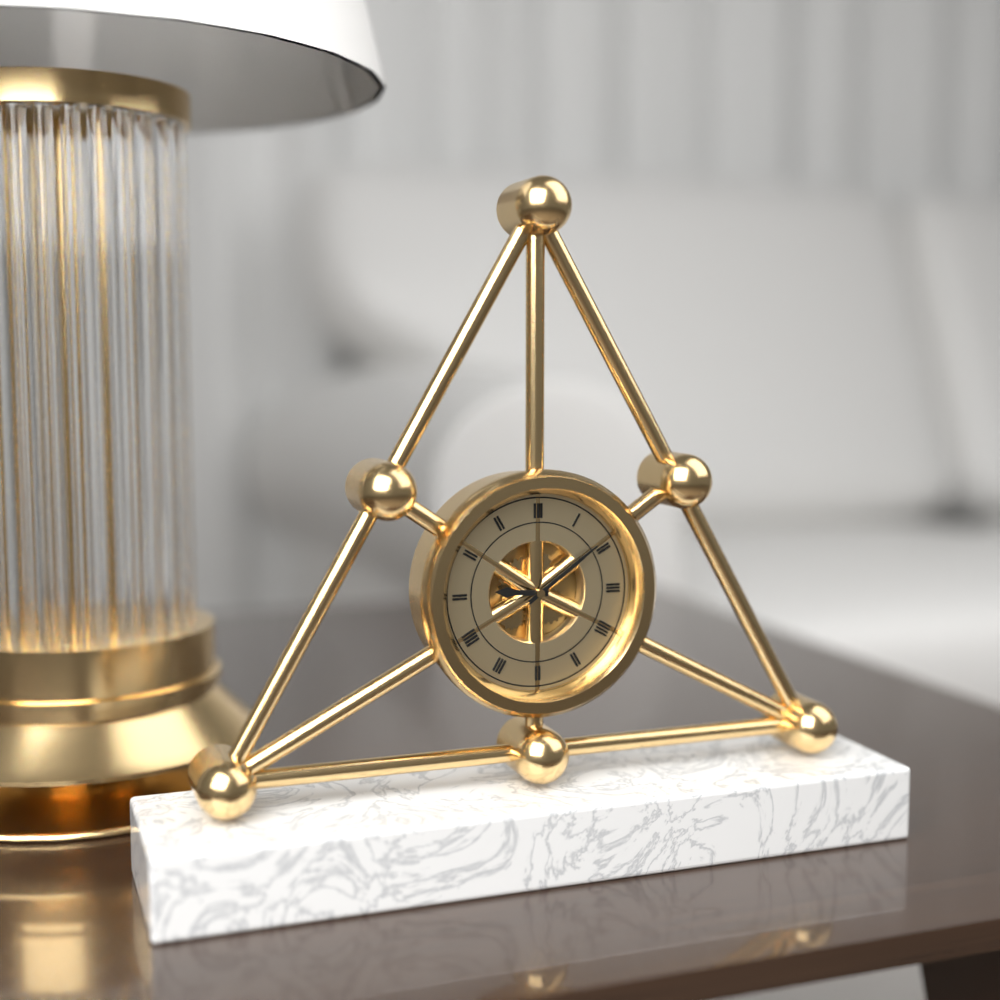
**9:09**
